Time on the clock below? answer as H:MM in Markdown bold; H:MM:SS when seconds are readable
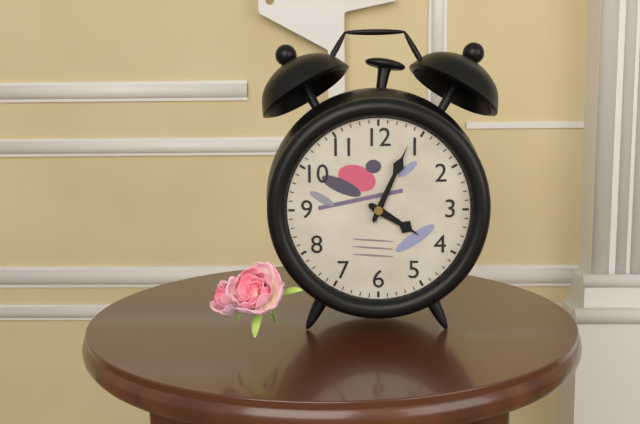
**4:04**
